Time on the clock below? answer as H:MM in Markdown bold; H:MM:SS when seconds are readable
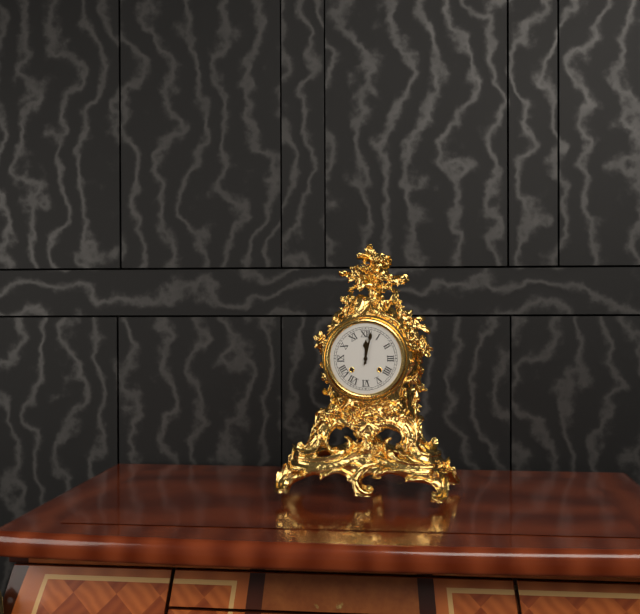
**12:02**
